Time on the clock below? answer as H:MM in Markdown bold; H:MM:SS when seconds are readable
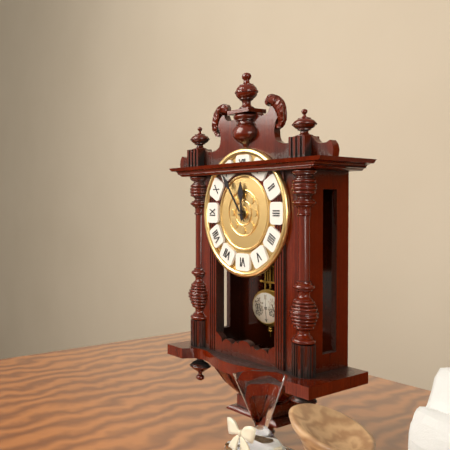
**11:54**
